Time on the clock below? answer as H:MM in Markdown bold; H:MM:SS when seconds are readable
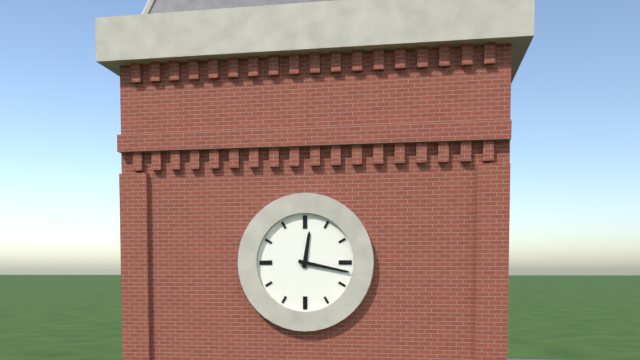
**12:17**
